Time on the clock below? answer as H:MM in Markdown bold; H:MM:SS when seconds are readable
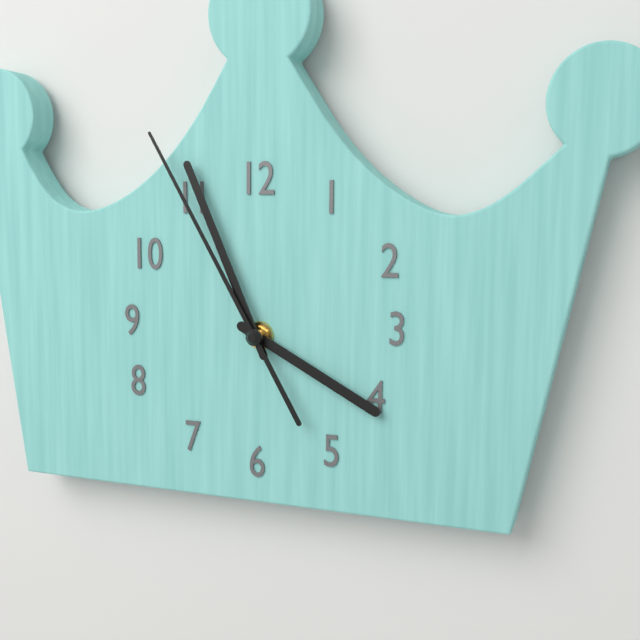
**3:56:55**
